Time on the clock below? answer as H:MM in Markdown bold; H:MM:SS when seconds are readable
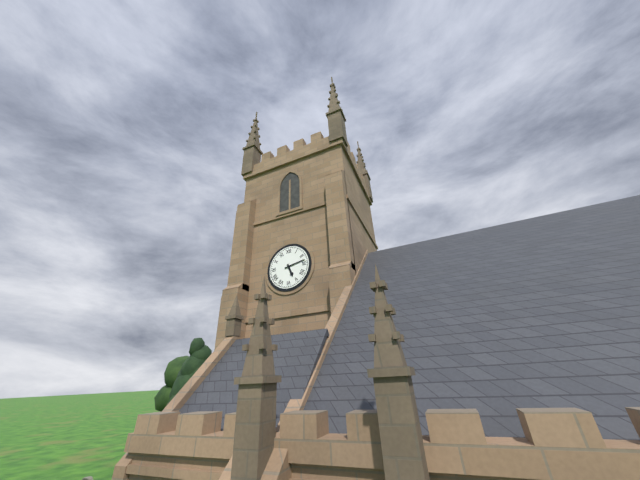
**5:13**
